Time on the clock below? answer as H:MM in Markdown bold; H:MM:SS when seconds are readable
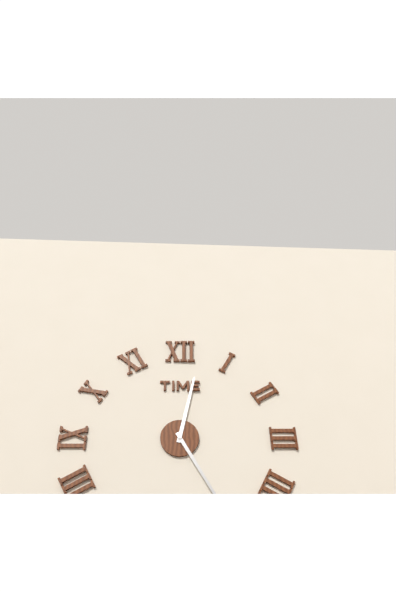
**12:25**
